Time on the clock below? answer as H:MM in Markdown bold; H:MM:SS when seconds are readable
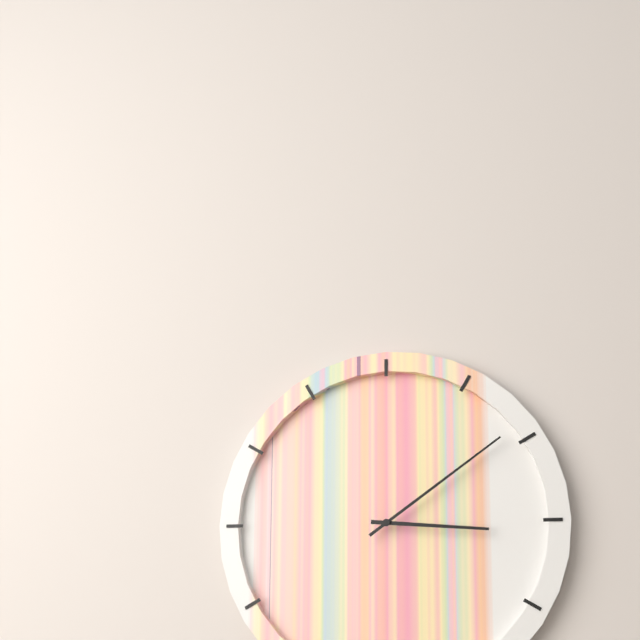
**3:09**
